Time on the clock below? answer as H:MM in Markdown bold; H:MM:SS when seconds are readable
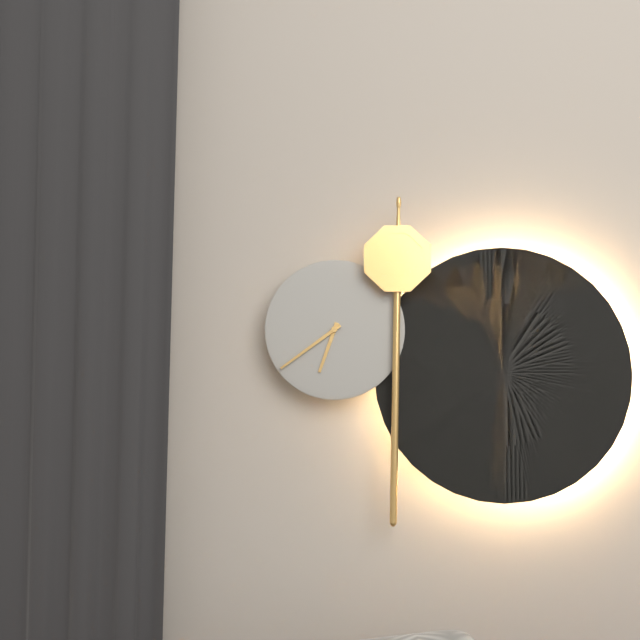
**6:39**
